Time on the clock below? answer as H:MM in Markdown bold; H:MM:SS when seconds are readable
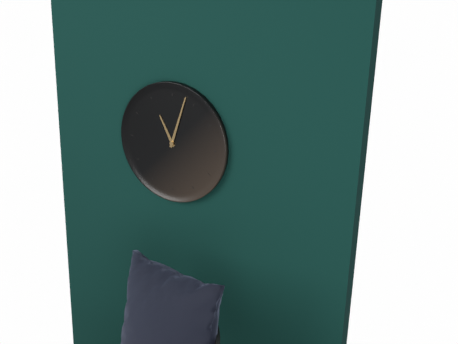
**11:03**
